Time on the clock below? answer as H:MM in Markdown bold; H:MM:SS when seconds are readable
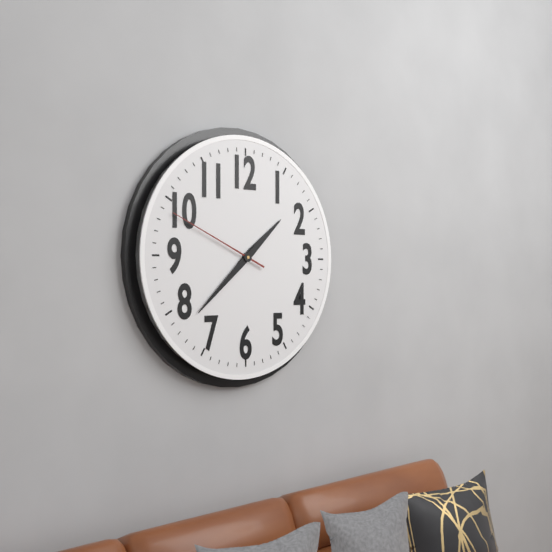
**1:38:49**
